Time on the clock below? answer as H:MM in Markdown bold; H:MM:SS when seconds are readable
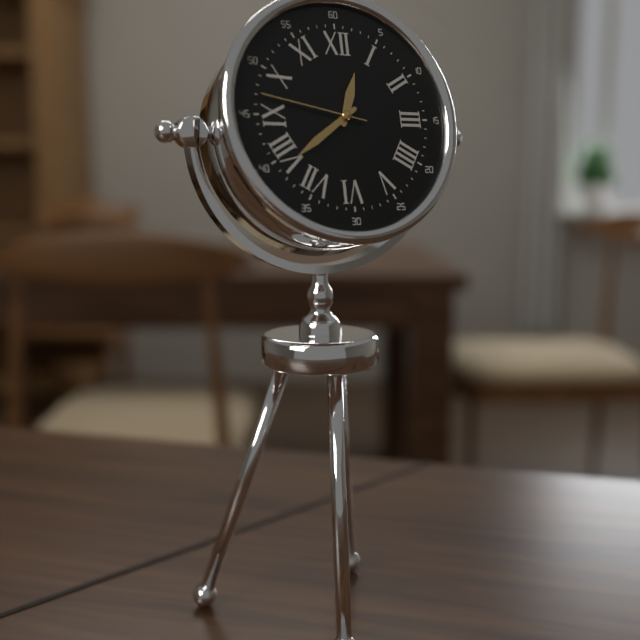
**12:39:47**
